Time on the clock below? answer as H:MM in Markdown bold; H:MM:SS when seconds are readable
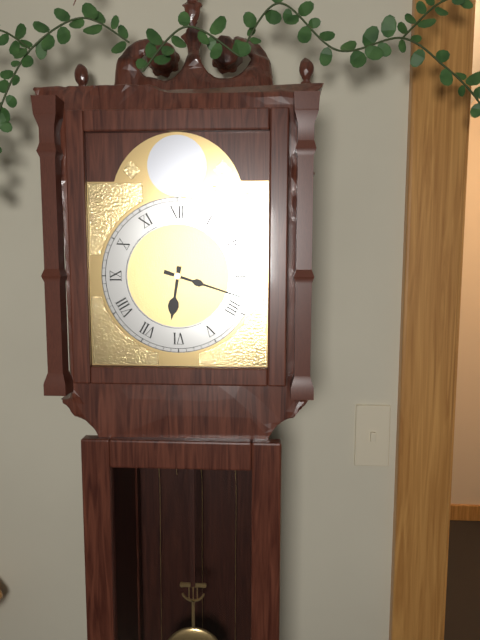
**6:18**
